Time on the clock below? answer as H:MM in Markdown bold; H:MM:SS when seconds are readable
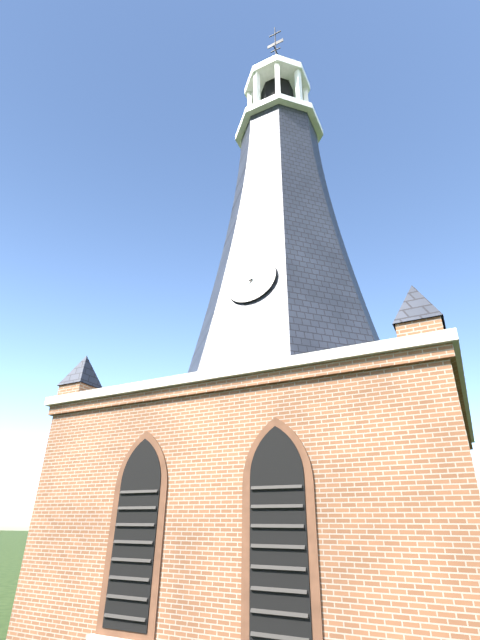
**11:37**
